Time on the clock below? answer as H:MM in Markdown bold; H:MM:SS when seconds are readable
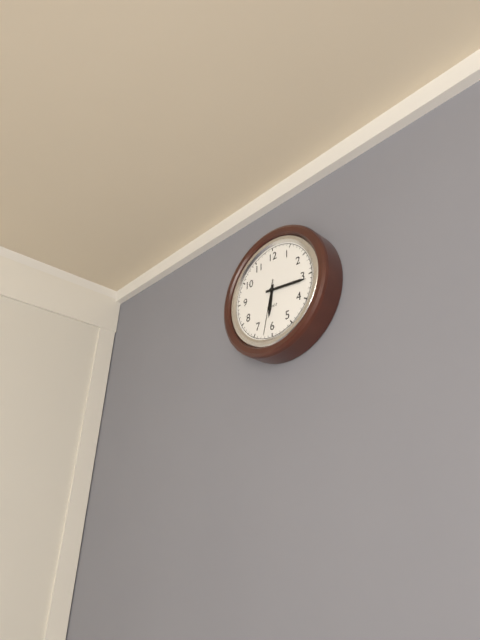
**6:16:32**
